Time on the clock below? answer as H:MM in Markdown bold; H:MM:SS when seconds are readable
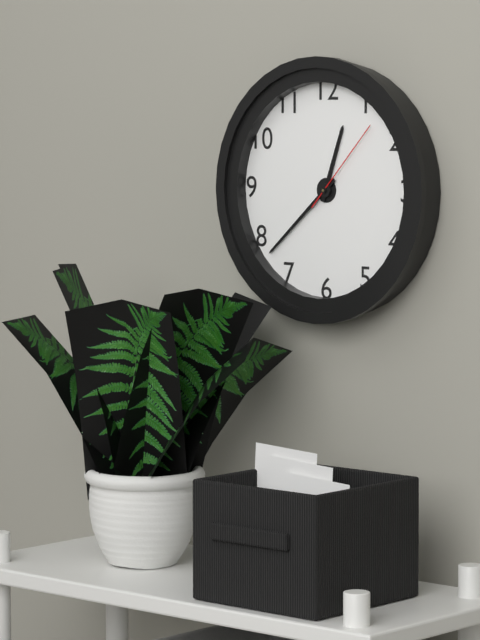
**12:38:07**
